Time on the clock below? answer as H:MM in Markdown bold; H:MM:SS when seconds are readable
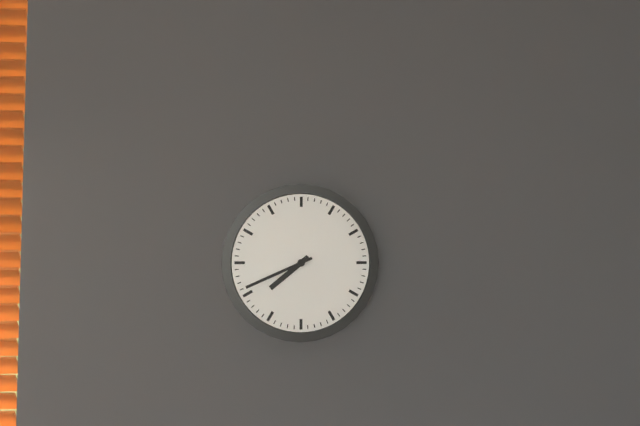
**7:41**
